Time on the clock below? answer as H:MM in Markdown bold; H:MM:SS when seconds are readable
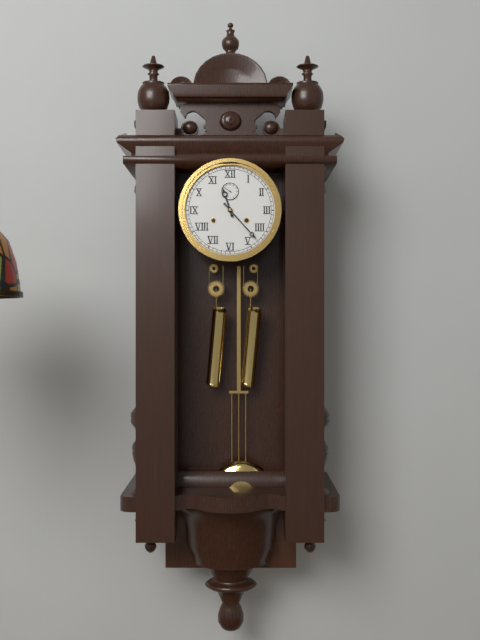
**11:23**
